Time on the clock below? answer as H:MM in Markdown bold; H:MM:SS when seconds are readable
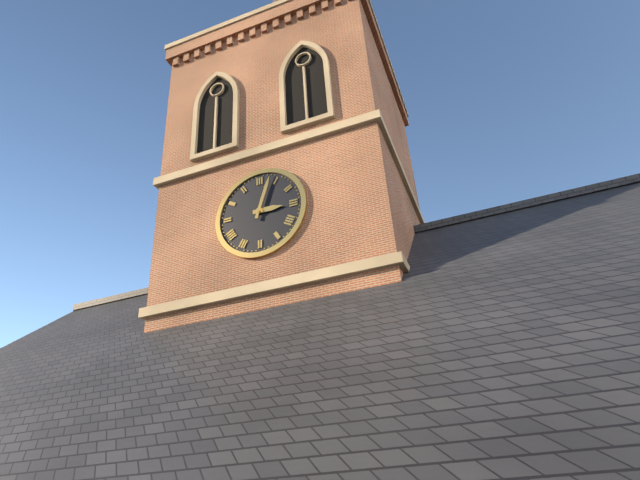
**3:03**
